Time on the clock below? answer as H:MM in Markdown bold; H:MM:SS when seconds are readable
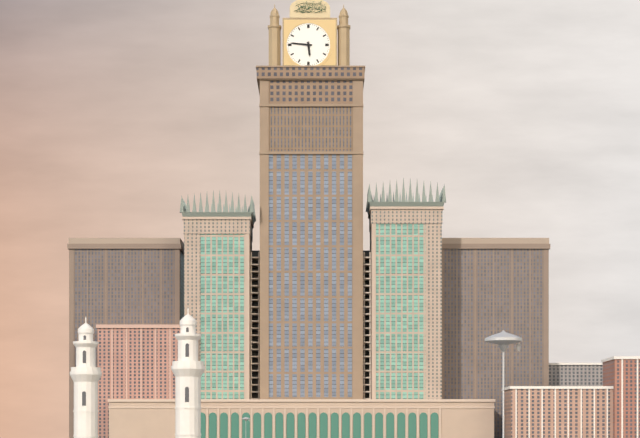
**5:46**
